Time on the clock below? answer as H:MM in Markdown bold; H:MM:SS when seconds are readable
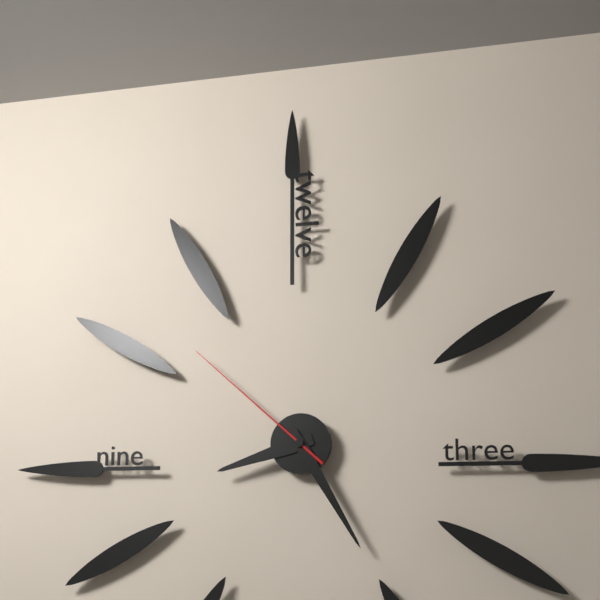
**8:25:52**
